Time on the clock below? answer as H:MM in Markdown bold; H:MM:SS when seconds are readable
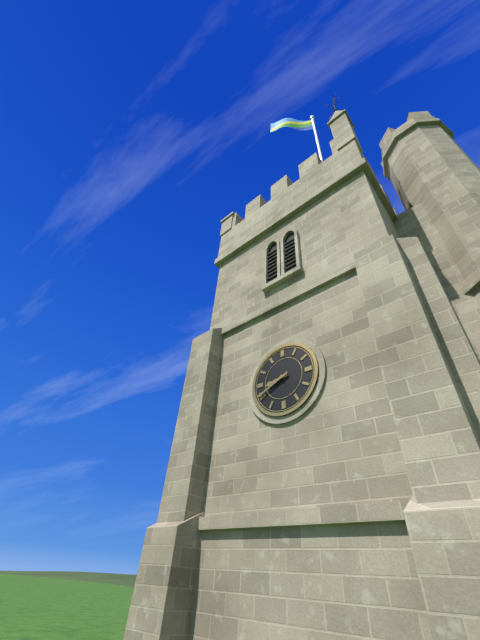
**8:41**
